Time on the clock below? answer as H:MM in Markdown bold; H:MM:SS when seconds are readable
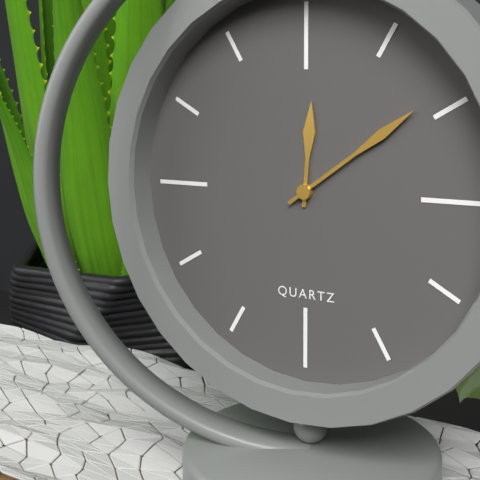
**12:09**
